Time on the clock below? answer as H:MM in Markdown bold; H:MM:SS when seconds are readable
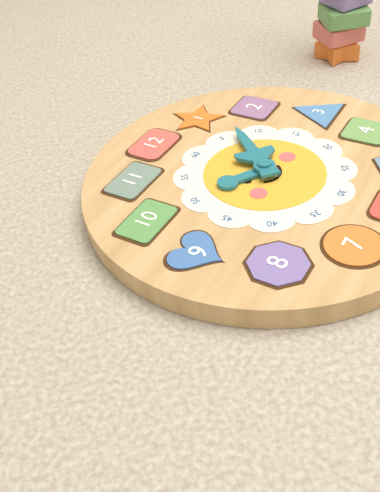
**10:07**
